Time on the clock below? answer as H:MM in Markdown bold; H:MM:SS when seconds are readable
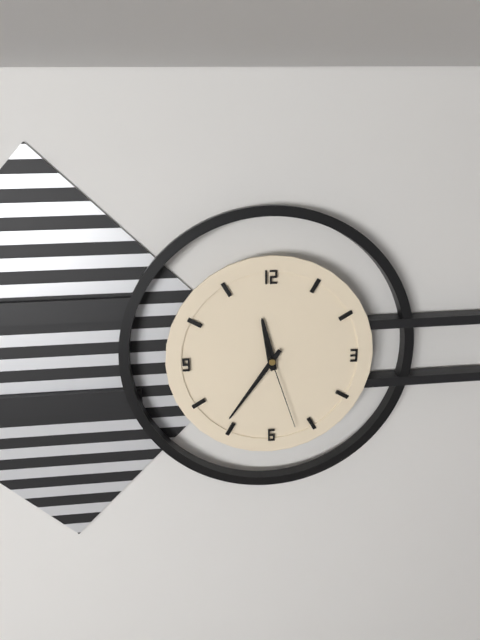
**11:36:27**
